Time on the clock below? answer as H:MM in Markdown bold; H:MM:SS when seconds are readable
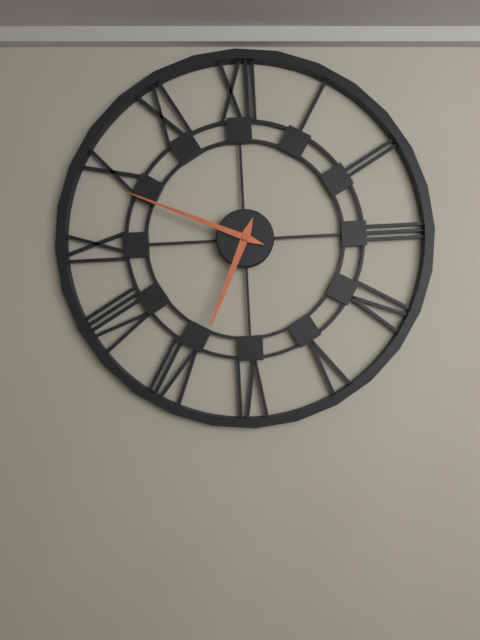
**6:49**
